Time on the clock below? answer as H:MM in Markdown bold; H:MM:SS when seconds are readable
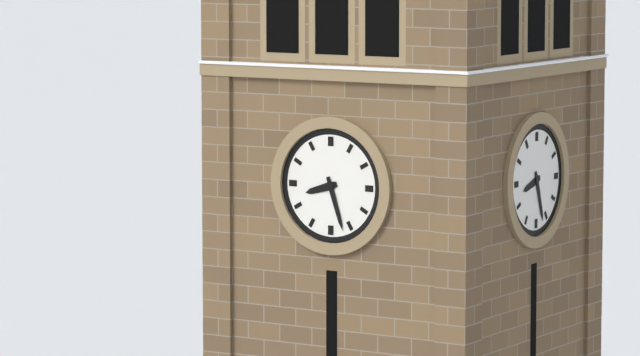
**8:27**
